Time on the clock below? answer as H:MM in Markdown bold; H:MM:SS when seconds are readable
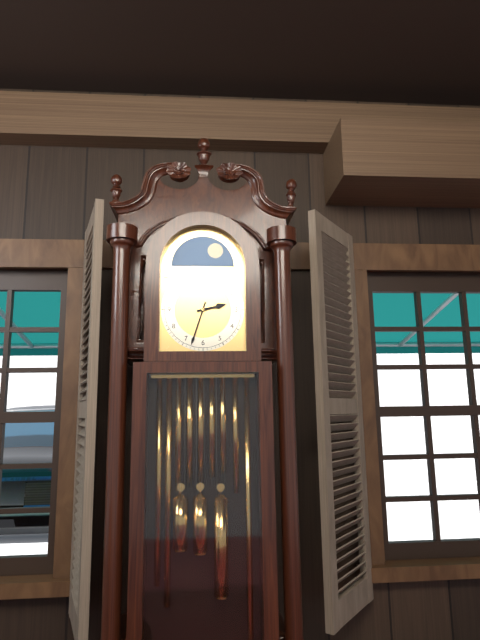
**2:33**
